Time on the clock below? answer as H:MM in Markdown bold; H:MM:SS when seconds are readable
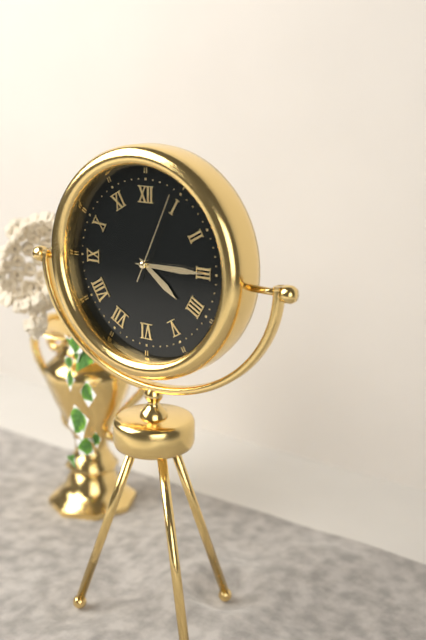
**4:15:04**
